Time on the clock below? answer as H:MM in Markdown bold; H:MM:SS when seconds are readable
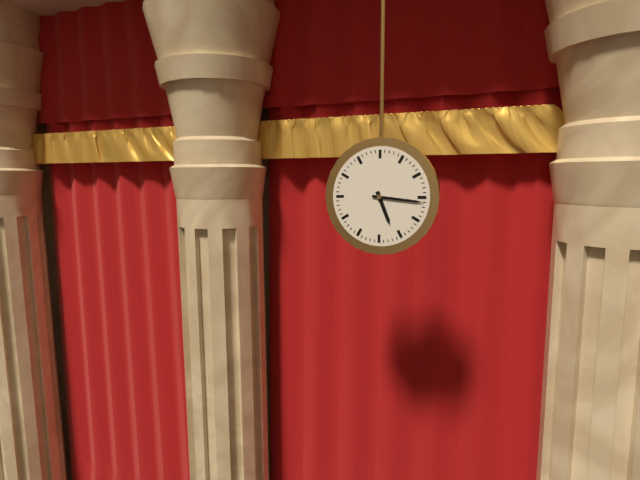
**5:16**
